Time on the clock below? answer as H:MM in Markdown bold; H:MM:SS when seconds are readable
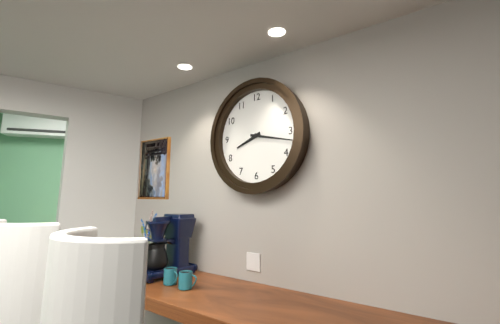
**8:17**
